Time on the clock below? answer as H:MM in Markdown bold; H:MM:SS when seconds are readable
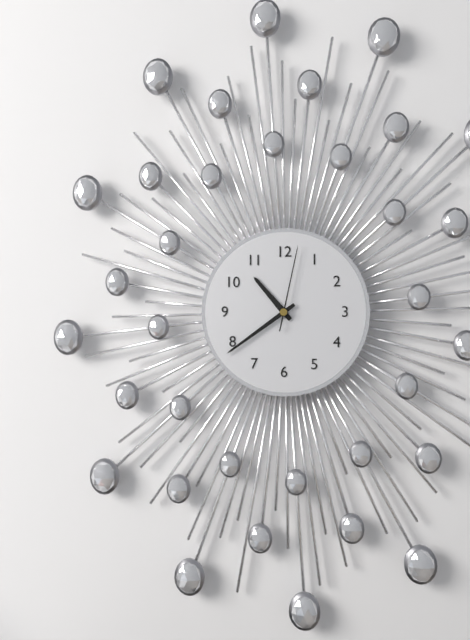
**10:39:02**
